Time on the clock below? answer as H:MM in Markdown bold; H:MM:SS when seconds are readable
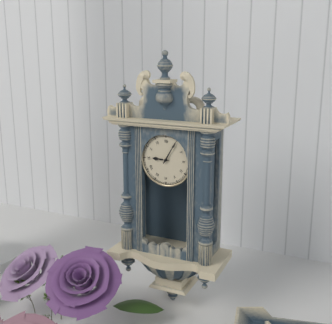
**9:05**
